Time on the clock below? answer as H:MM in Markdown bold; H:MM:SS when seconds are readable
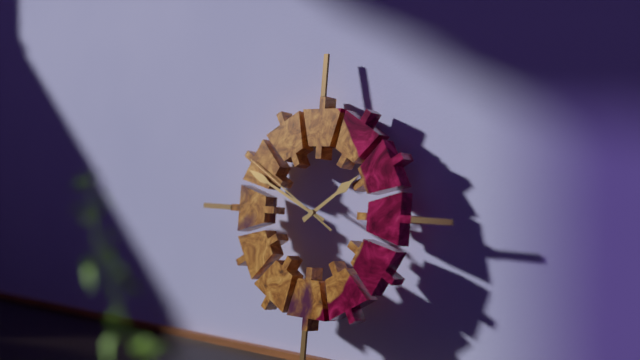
**1:49:50**
